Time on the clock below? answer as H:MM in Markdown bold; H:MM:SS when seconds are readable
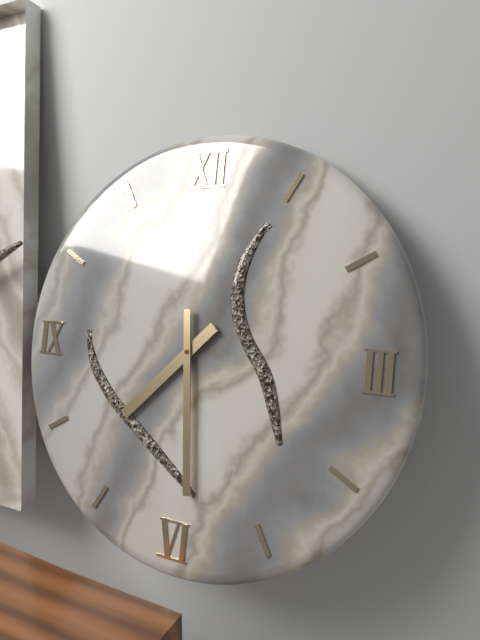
**7:29**
